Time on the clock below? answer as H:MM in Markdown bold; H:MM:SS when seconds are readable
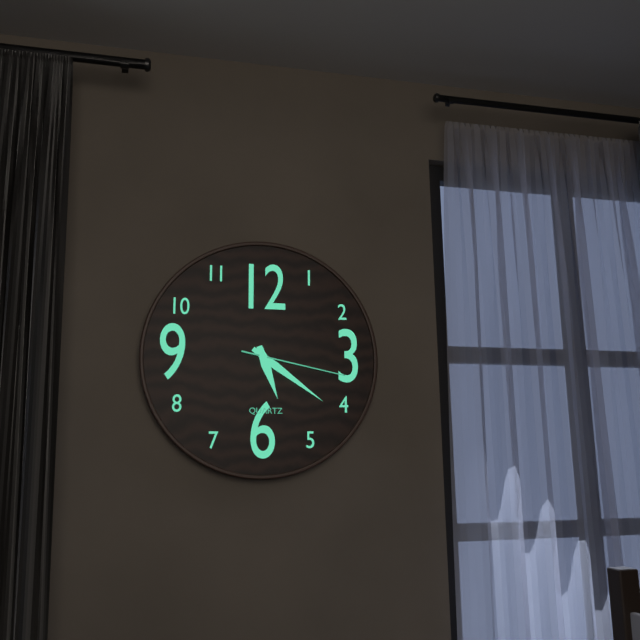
**5:21:17**
